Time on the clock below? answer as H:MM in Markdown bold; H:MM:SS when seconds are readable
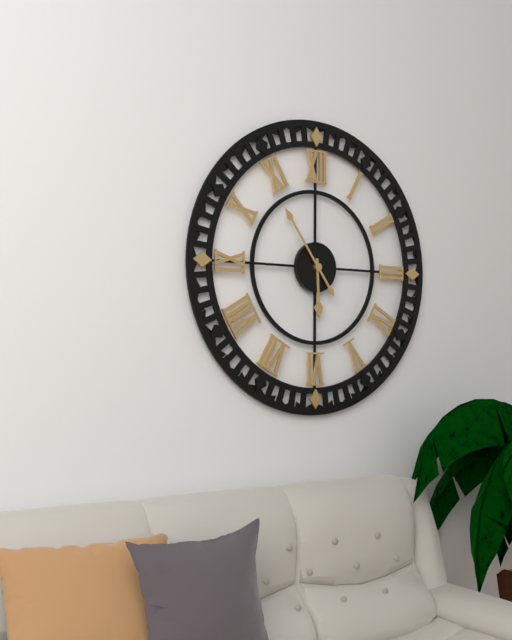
**5:54**
